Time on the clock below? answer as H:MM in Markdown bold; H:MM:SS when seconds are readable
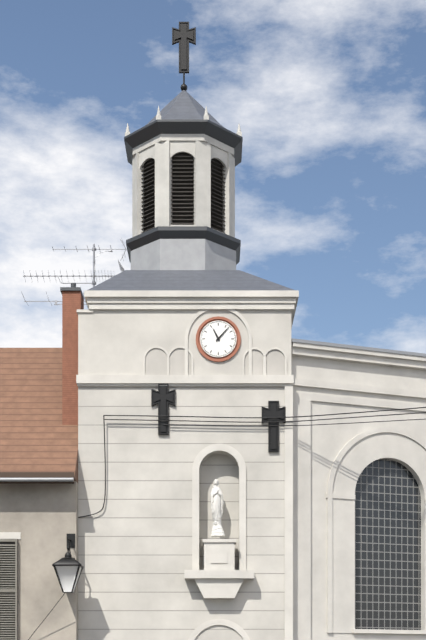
**11:07**
